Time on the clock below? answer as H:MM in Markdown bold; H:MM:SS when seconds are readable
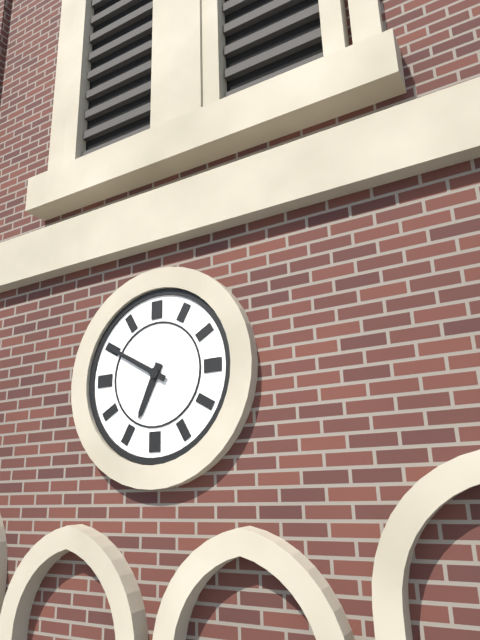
**6:50**
